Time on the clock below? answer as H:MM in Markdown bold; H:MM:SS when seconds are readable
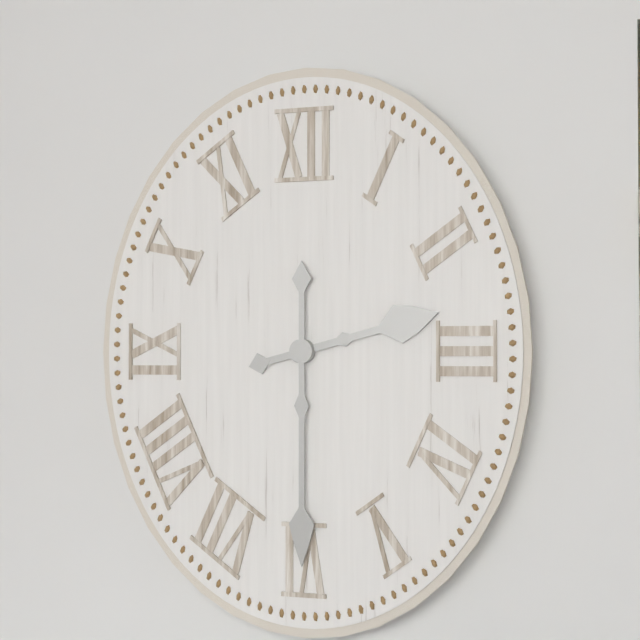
**2:30**
